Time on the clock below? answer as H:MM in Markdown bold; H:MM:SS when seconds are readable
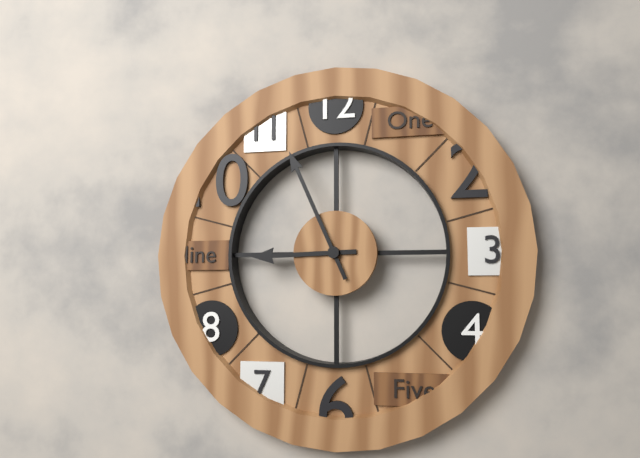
**8:56**
